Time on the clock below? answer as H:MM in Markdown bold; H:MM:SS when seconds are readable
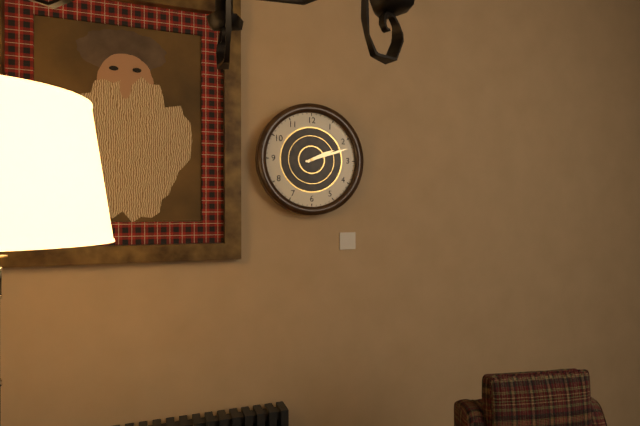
**2:12**
